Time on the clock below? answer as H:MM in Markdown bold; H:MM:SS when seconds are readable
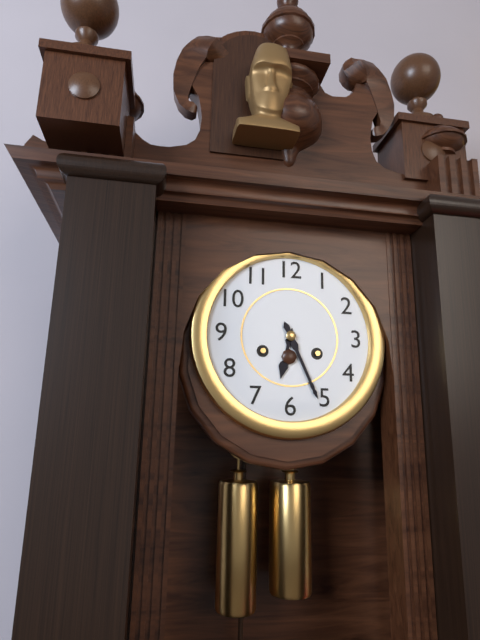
**6:26**
